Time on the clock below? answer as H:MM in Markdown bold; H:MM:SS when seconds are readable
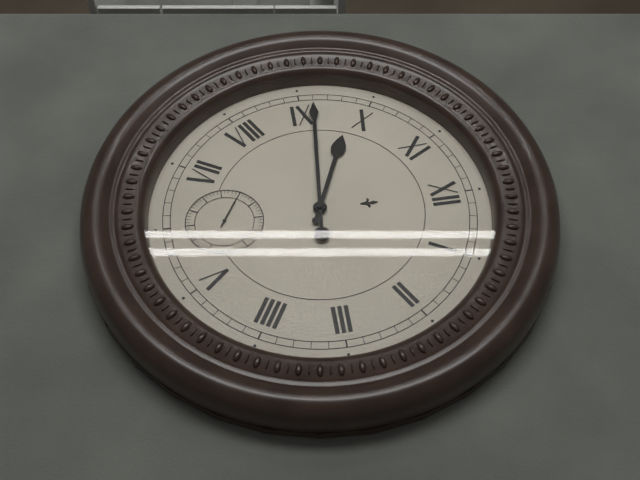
**9:46**
